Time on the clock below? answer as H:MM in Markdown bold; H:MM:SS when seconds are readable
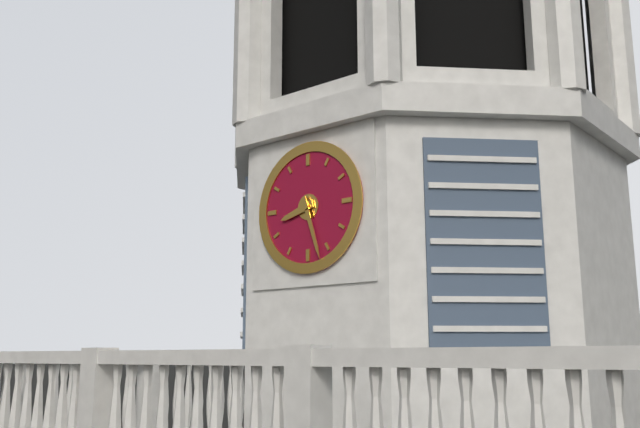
**8:27**
